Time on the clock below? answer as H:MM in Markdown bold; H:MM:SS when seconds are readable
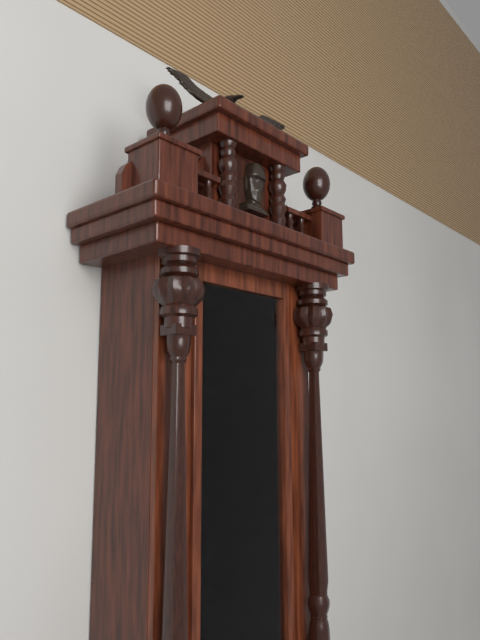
**6:36**
